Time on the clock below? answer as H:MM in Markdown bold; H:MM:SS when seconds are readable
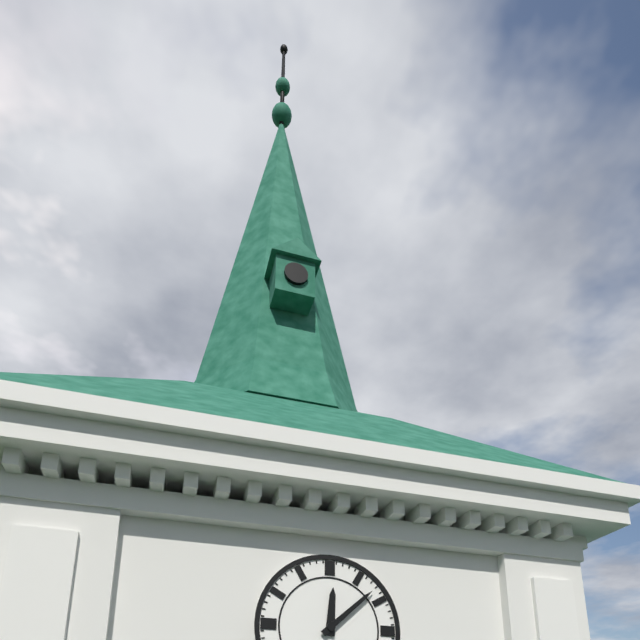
**12:08**
